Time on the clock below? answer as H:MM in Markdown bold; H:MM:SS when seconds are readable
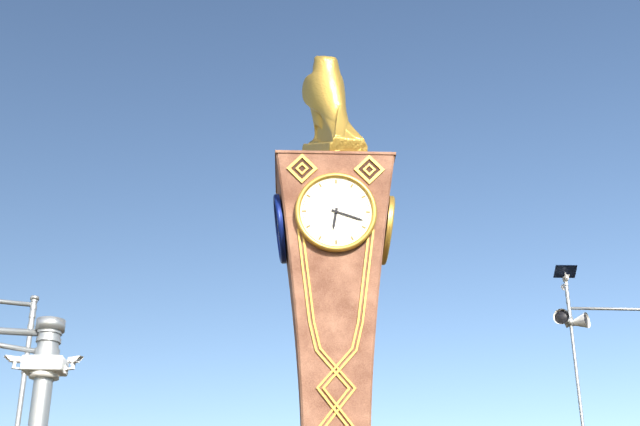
**6:18**
